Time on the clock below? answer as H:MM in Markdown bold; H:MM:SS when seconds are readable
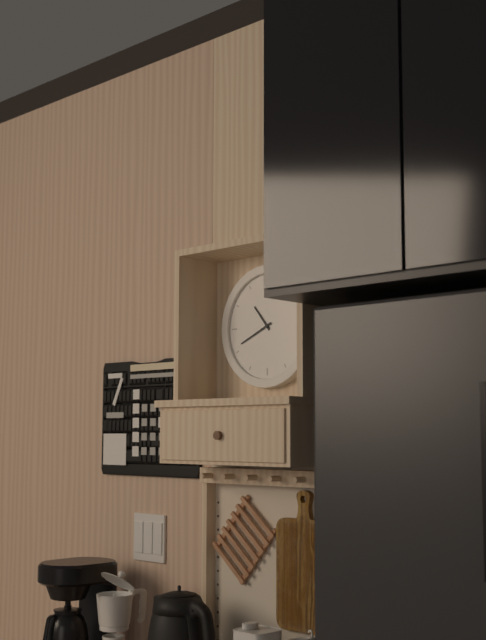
**10:41**
